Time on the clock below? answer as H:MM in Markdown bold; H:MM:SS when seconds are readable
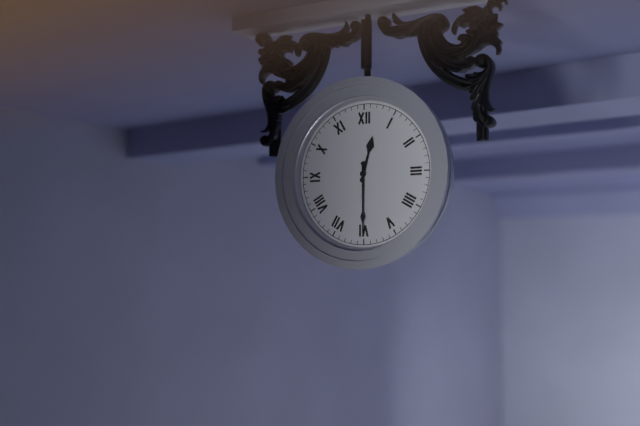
**12:30**
